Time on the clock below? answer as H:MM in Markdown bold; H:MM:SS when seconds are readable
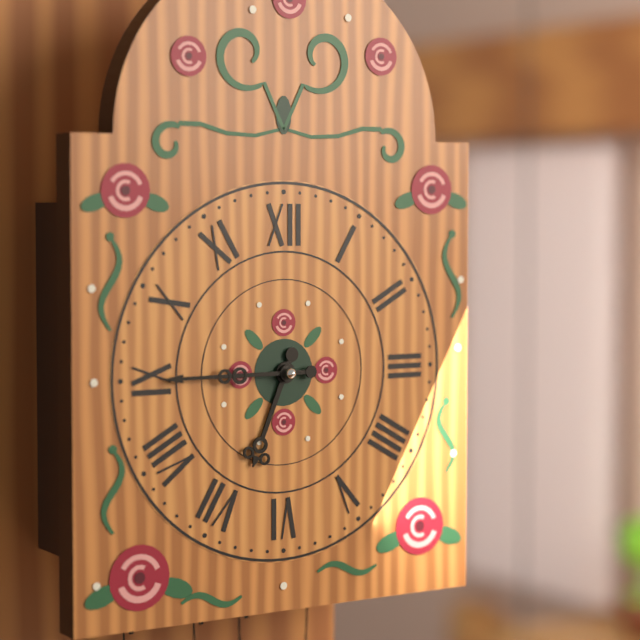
**6:45**
